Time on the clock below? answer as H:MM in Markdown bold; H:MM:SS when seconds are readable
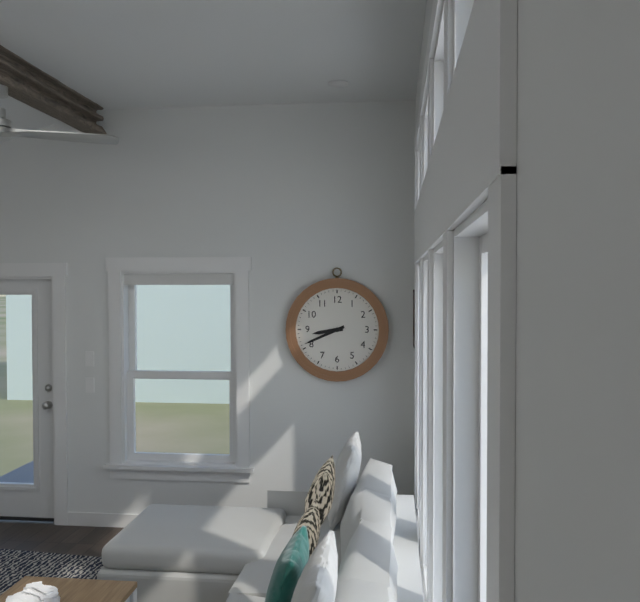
**8:41**
